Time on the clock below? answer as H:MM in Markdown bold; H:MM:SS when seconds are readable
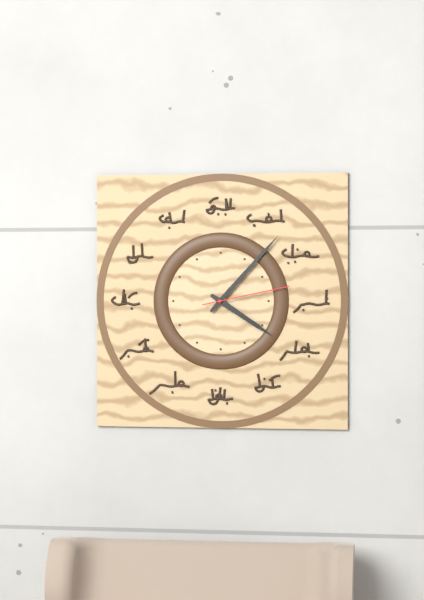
**4:07:13**
